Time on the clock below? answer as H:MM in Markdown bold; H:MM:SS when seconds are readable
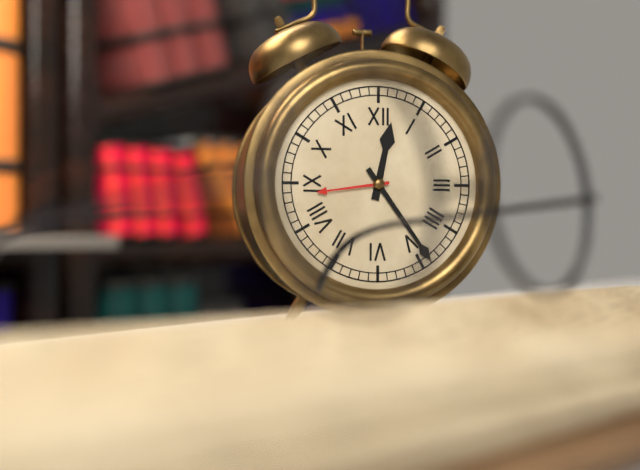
**12:24**
